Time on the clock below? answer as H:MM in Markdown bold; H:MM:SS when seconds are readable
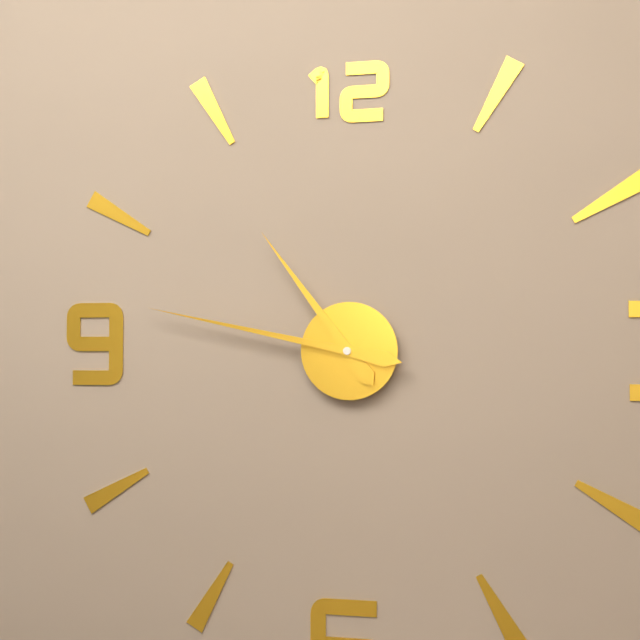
**10:47**
